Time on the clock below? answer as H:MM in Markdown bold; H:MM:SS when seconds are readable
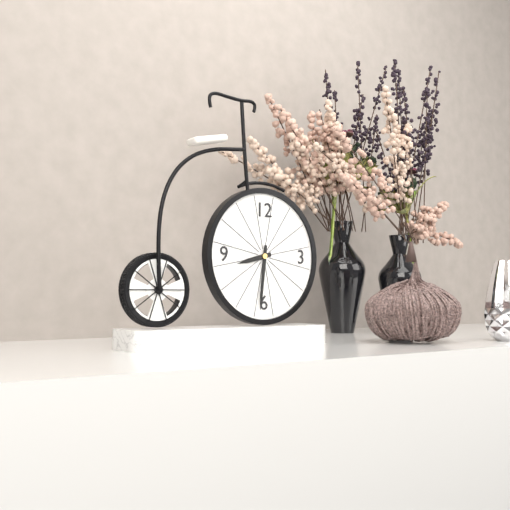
**8:31**
